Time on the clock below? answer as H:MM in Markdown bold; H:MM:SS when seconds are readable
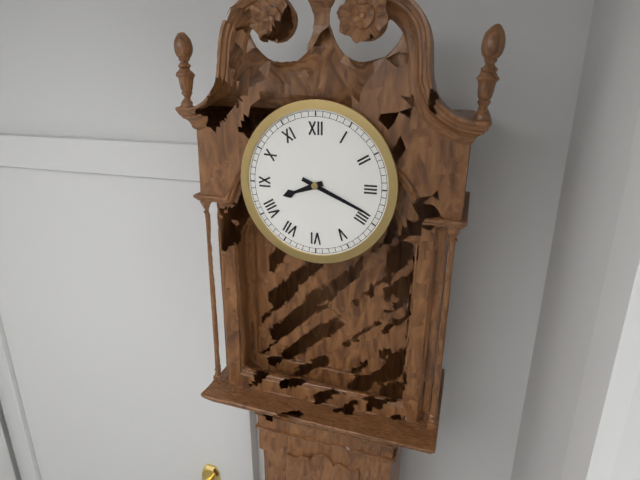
**8:19**
